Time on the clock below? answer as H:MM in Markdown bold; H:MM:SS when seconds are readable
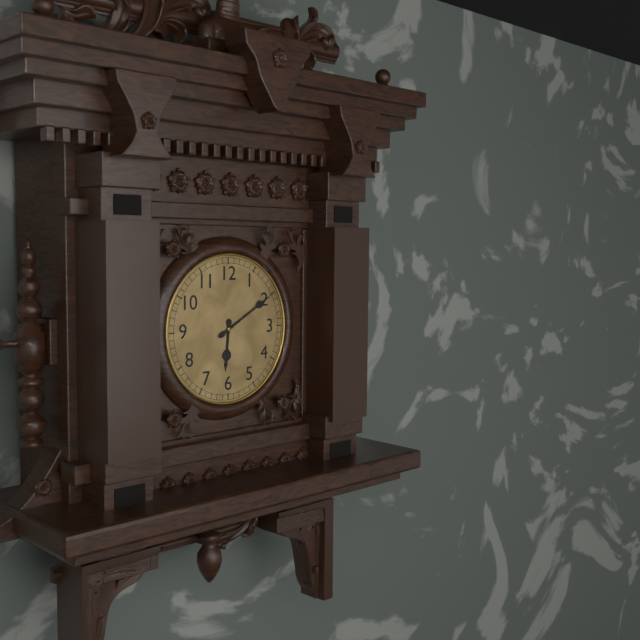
**6:10**
